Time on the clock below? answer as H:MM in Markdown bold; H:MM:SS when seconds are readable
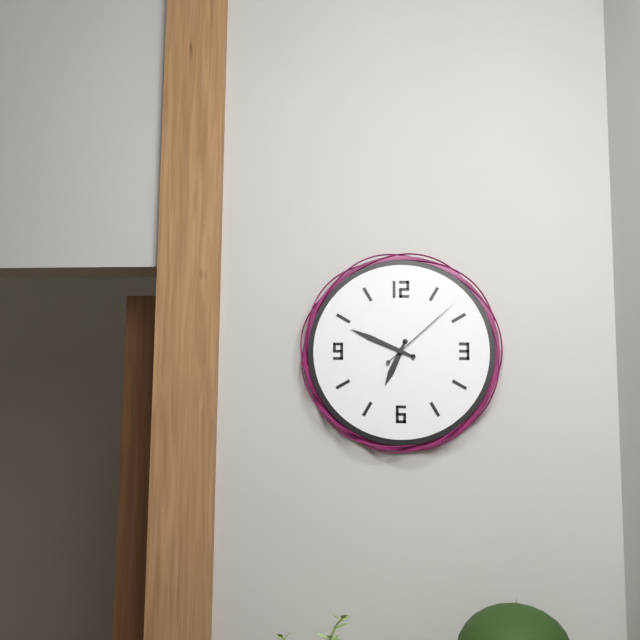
**6:49:08**
